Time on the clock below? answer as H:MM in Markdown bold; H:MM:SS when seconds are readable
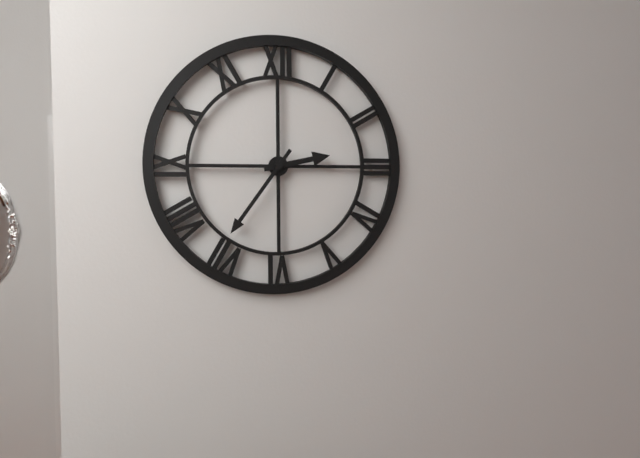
**2:36**
